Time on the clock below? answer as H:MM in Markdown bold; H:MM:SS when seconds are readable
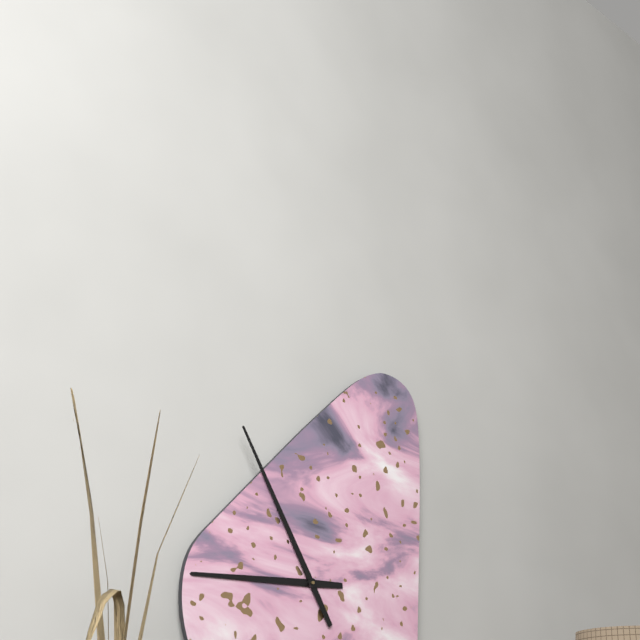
**8:55**
